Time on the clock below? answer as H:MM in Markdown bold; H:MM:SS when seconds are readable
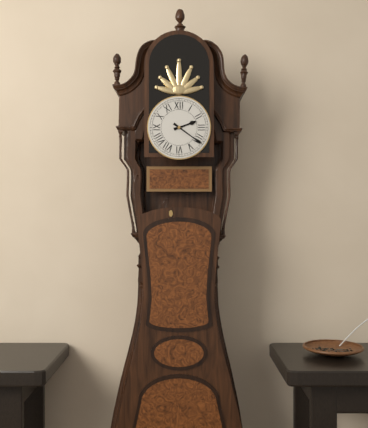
**2:21**
